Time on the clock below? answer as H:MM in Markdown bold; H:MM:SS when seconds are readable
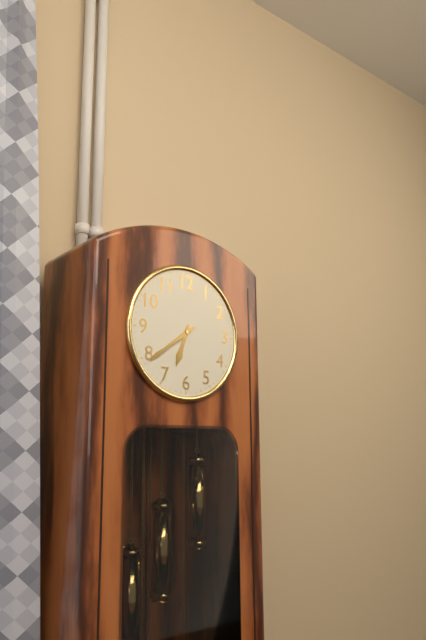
**6:39**
